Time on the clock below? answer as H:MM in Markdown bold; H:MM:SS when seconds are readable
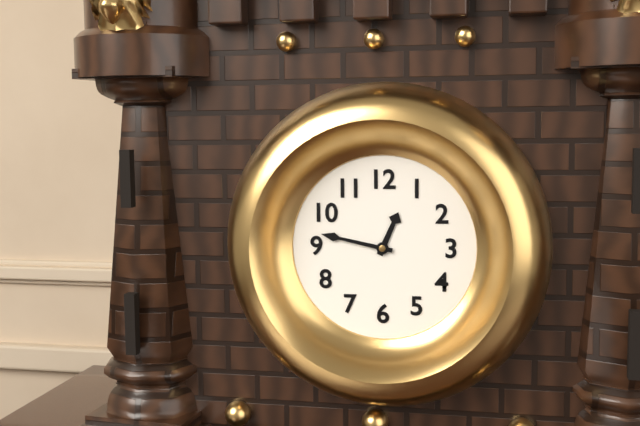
**12:47**
